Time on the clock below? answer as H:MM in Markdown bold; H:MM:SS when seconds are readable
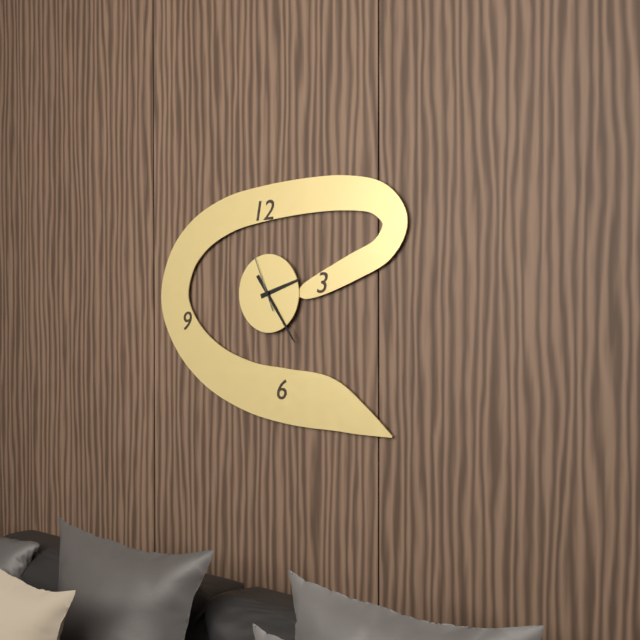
**2:24:56**
